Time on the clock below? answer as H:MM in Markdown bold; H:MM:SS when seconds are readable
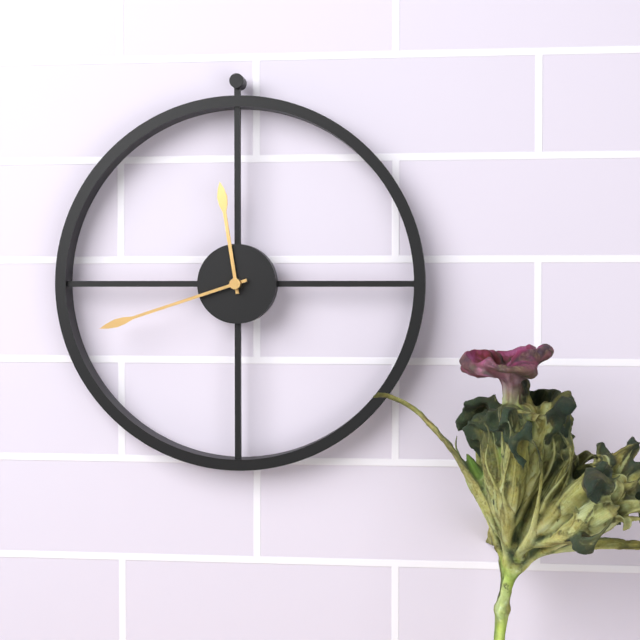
**11:42**
